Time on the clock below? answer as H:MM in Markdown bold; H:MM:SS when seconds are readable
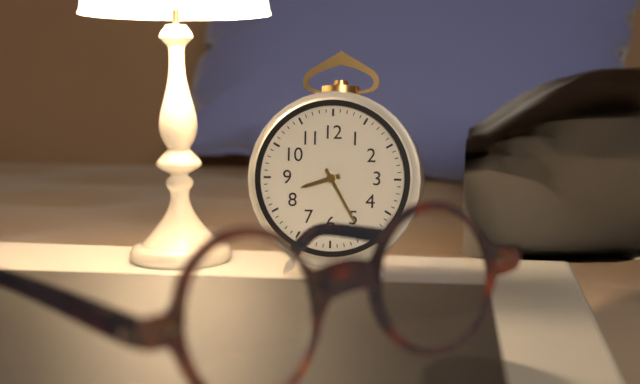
**8:25**
